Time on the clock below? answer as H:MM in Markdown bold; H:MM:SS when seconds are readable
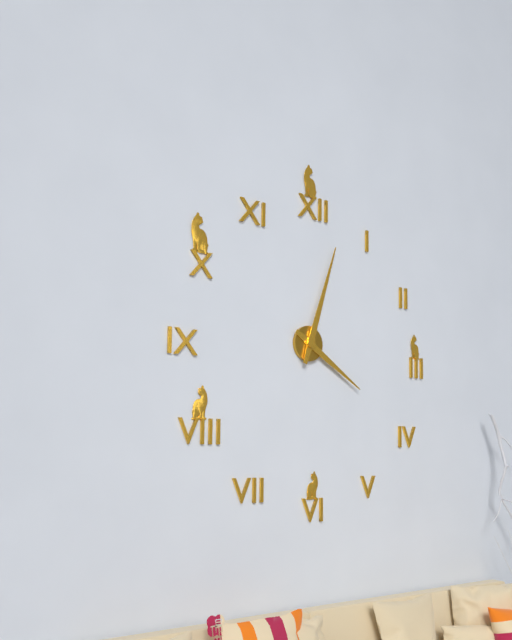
**4:03**
